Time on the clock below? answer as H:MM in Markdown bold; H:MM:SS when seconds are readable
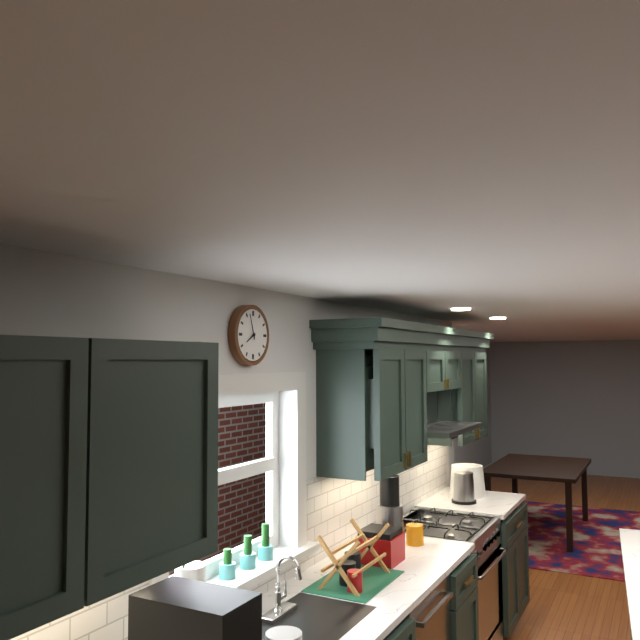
**7:57**
